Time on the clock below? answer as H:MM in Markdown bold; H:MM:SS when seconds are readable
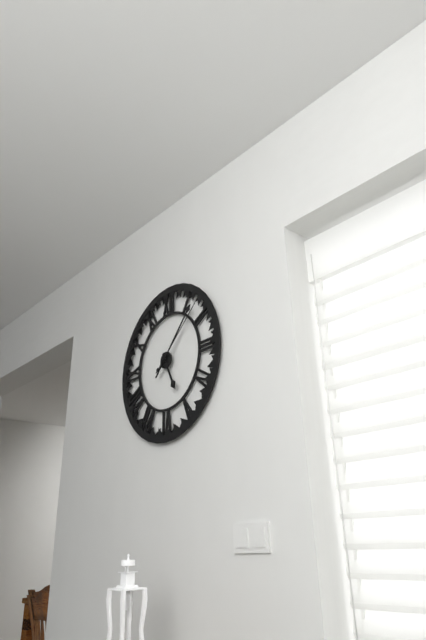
**5:07:08**
